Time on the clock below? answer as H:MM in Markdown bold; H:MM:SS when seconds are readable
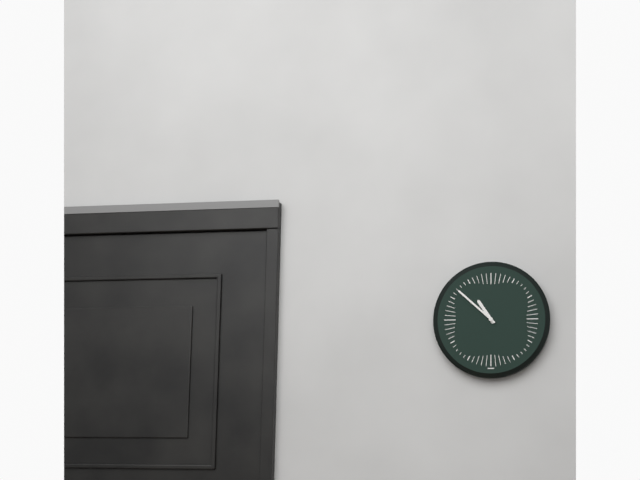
**10:52**
